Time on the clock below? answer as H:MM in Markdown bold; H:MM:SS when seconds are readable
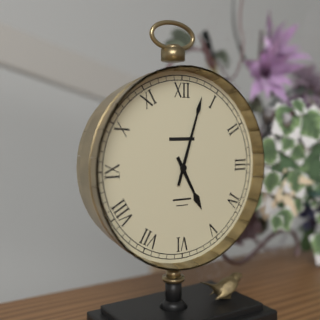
**5:03**
